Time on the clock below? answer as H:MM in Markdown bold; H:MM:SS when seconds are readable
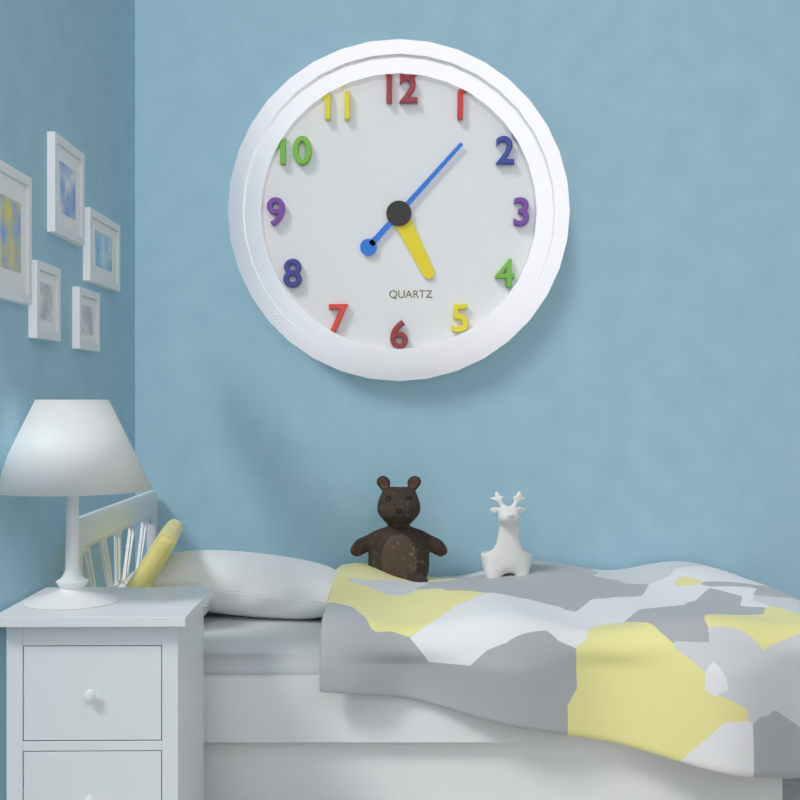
**5:07**
